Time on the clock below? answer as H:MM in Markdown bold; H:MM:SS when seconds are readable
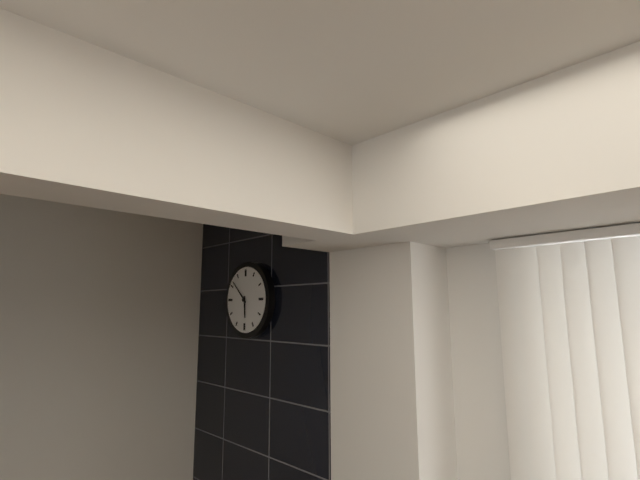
**5:52**
